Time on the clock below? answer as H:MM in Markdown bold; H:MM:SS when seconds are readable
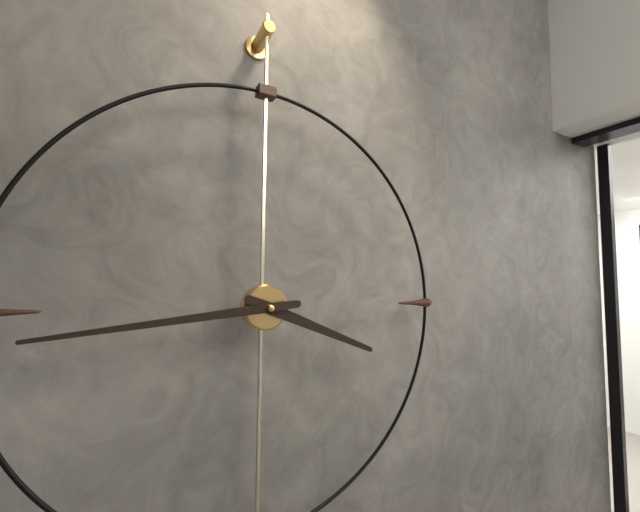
**3:44**
